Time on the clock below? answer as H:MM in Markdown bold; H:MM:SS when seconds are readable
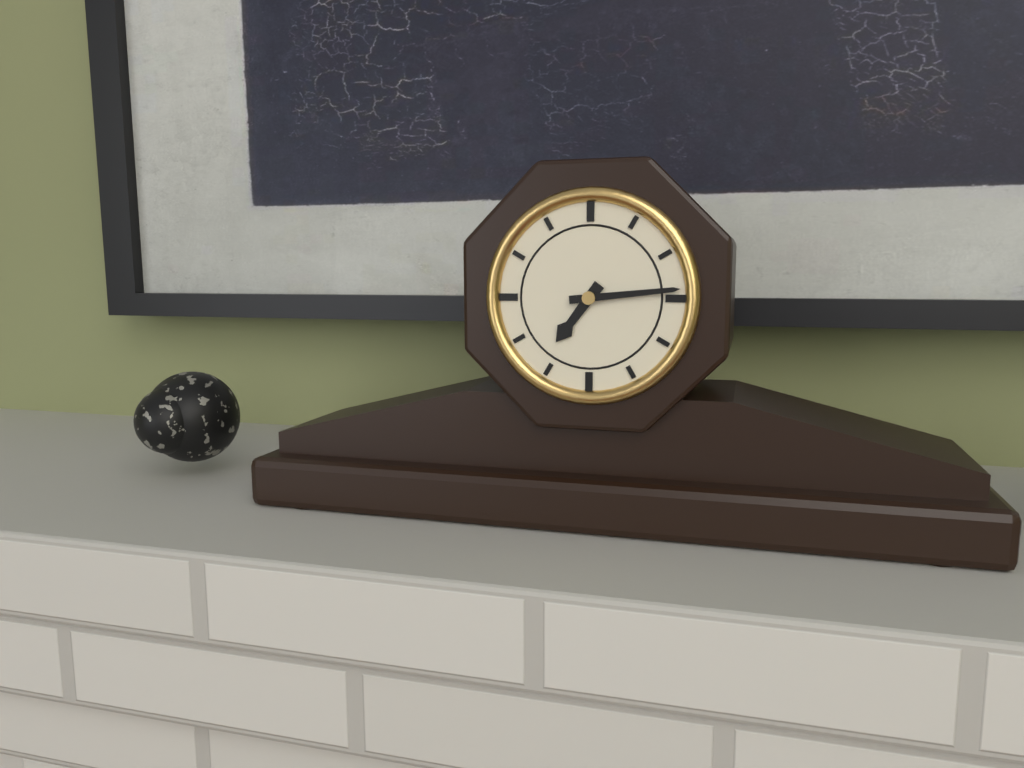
**7:14**
